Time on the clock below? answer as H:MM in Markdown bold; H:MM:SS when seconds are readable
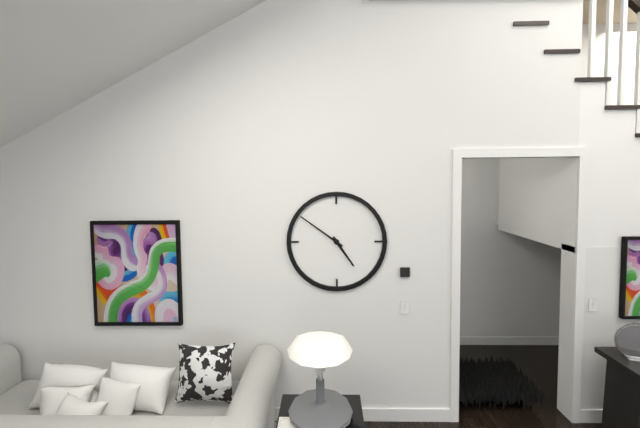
**4:51**
